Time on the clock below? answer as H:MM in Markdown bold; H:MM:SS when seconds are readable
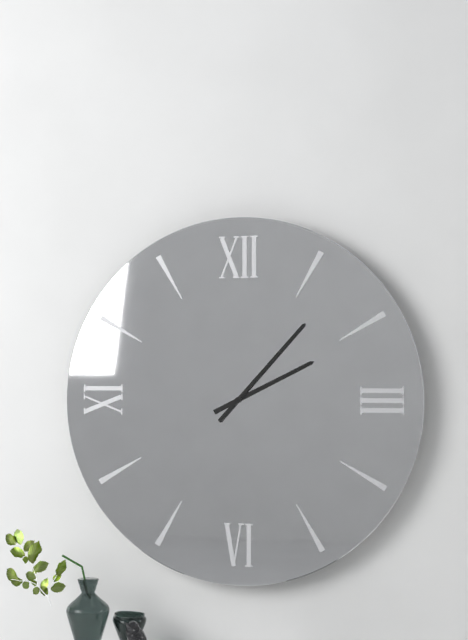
**2:07**
